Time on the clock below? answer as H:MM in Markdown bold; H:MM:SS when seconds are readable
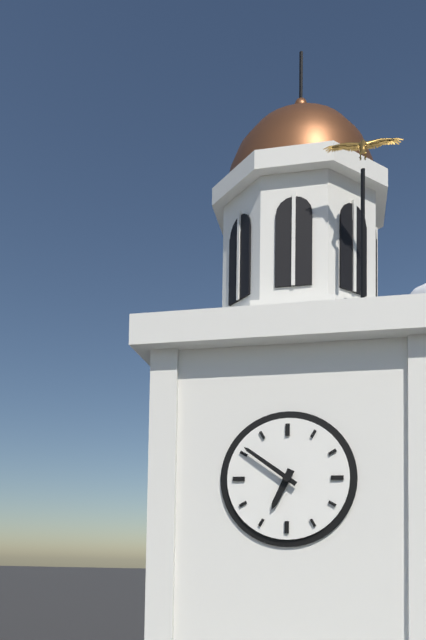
**6:51**
